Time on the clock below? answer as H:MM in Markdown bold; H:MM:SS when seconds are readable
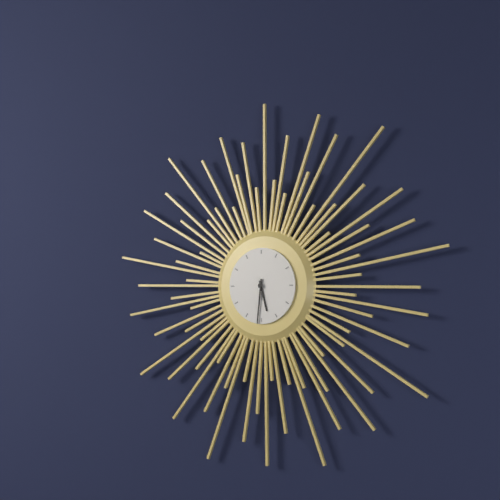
**5:31**
